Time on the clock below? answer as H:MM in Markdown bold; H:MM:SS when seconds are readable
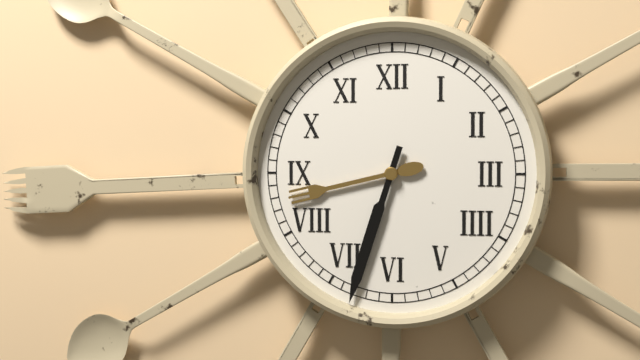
**8:33**
